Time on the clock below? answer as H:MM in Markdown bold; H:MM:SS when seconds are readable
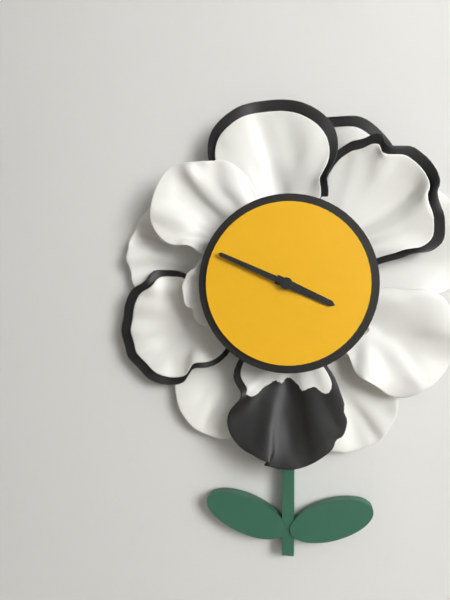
**3:49**
